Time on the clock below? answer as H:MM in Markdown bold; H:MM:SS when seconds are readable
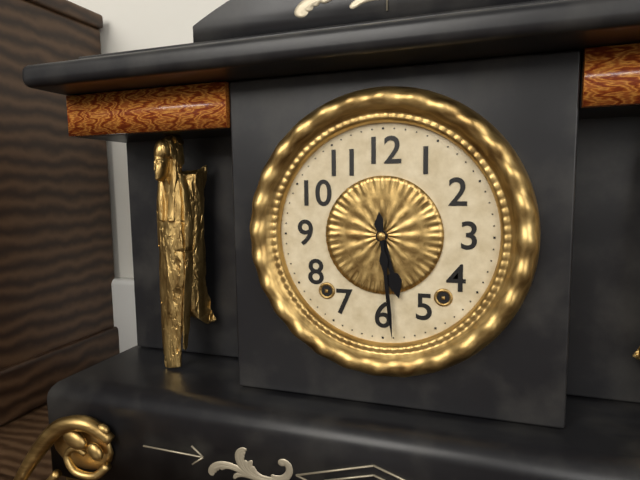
**5:29**
